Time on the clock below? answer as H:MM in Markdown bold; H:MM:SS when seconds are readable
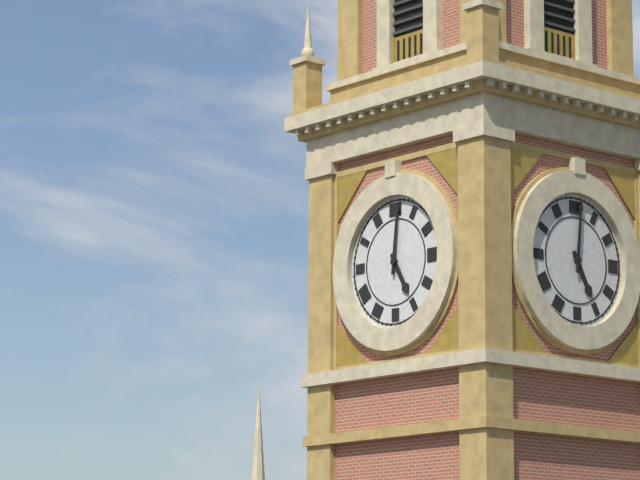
**5:01**
